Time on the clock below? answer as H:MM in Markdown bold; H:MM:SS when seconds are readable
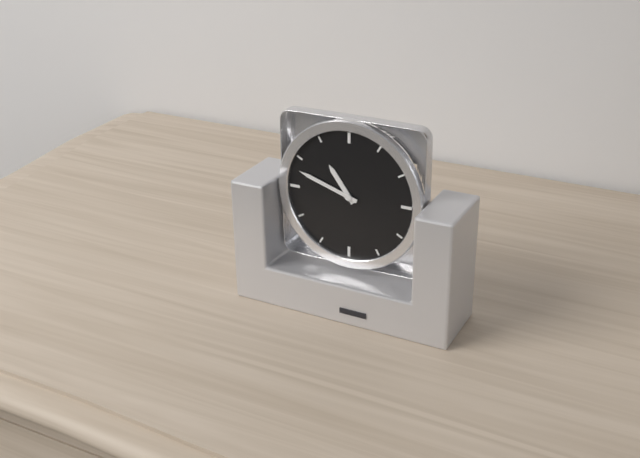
**10:48**
